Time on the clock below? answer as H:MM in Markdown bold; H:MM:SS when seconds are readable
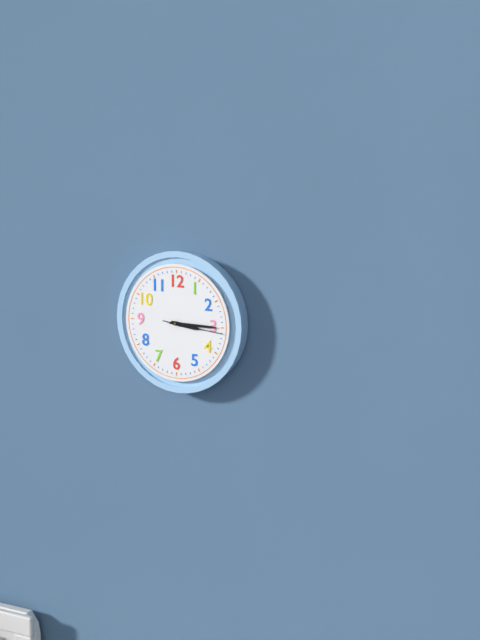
**3:15:16**
